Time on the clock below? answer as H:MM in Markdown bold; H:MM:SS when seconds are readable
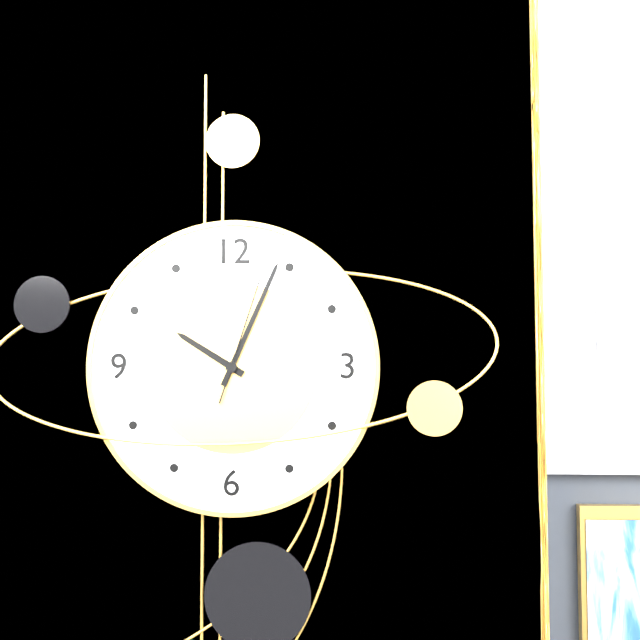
**10:04:03**
